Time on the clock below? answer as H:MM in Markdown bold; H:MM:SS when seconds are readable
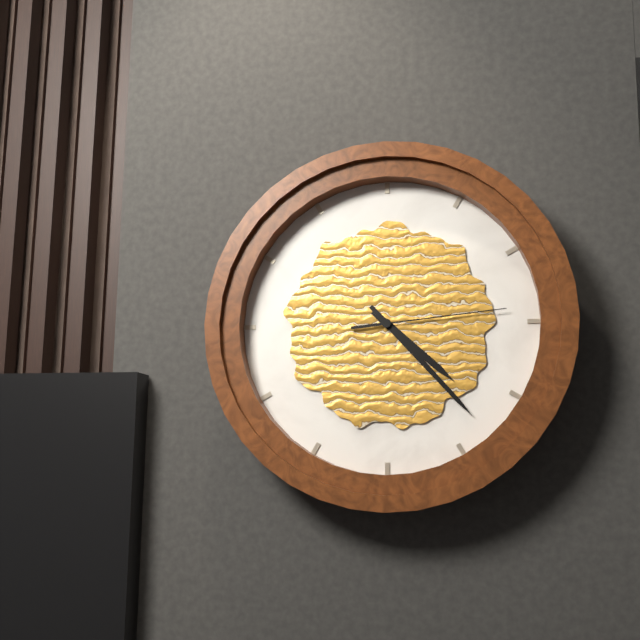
**4:23:14**
